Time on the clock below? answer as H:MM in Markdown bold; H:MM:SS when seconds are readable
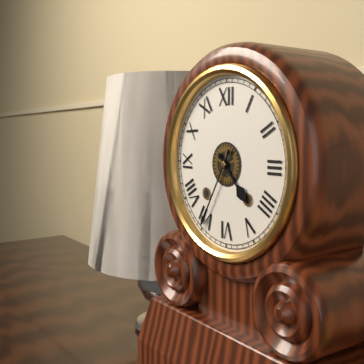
**4:35**
